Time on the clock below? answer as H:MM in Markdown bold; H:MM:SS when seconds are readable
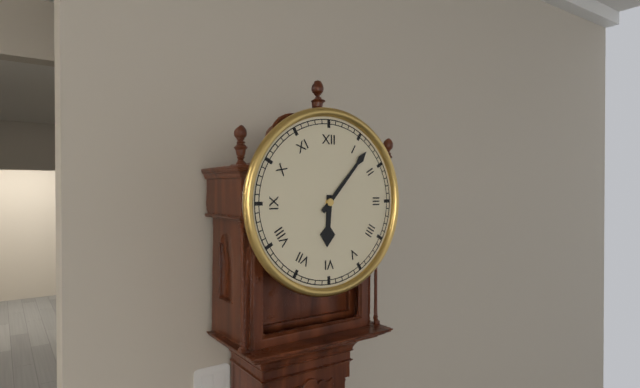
**6:07**
